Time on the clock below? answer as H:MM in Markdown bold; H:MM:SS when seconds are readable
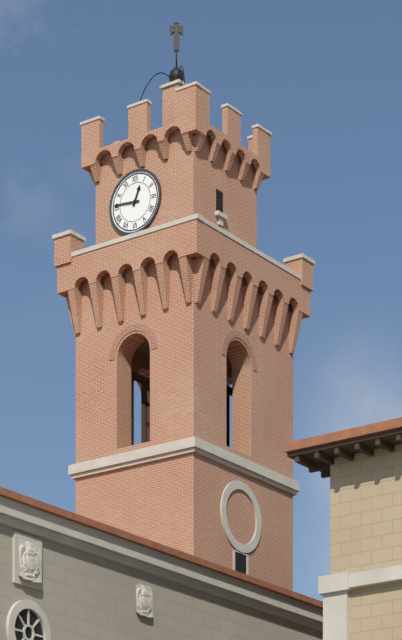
**12:46**
